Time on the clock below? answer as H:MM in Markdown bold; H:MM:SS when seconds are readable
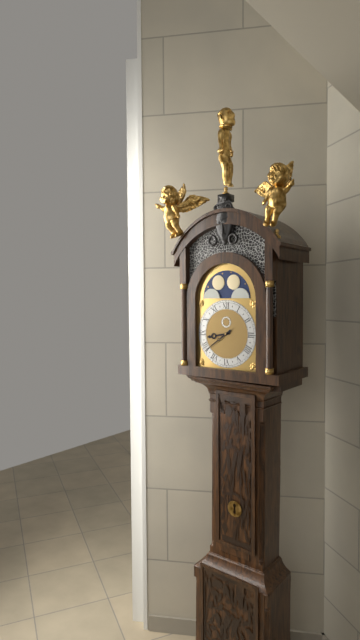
**8:39**
